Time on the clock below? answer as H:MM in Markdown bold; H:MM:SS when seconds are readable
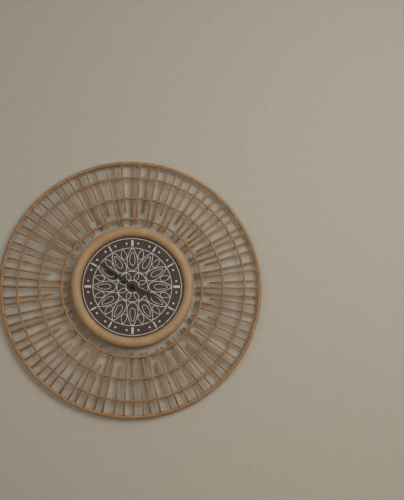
**3:51**
